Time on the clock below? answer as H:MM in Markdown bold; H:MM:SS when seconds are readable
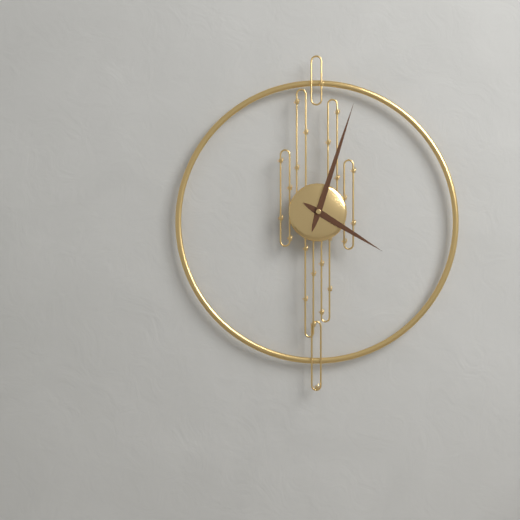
**4:03**
